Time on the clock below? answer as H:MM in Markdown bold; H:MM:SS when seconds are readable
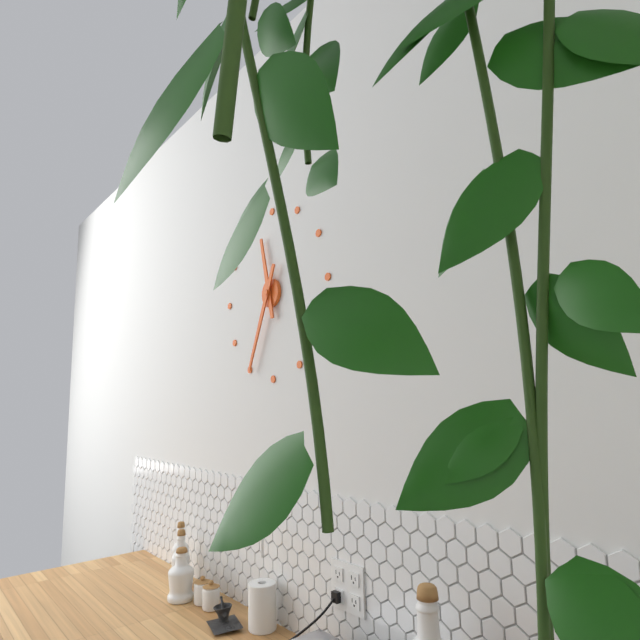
**11:34**
